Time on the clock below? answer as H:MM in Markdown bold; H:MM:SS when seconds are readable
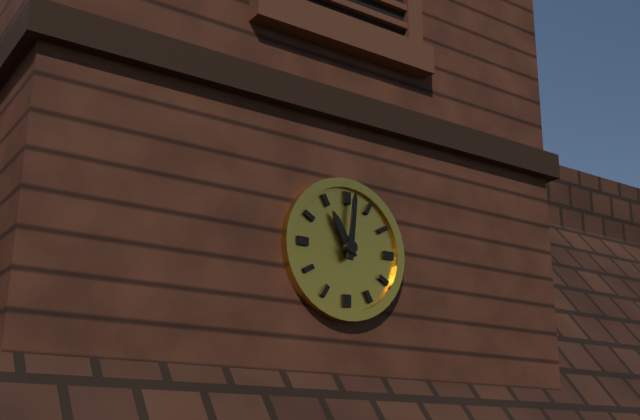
**11:01**
